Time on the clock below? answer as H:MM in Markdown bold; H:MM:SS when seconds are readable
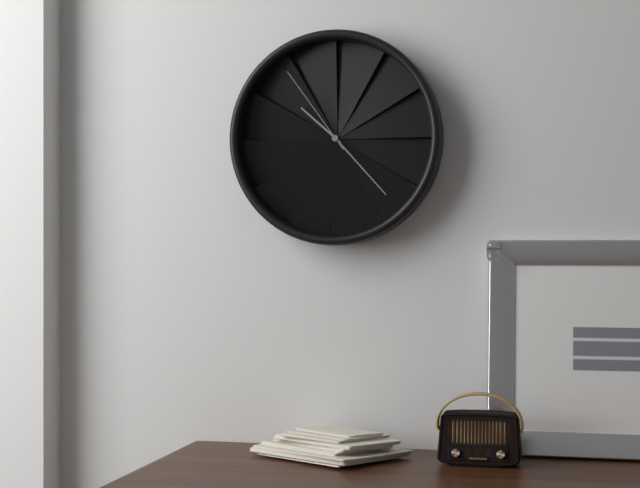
**10:23:54**
